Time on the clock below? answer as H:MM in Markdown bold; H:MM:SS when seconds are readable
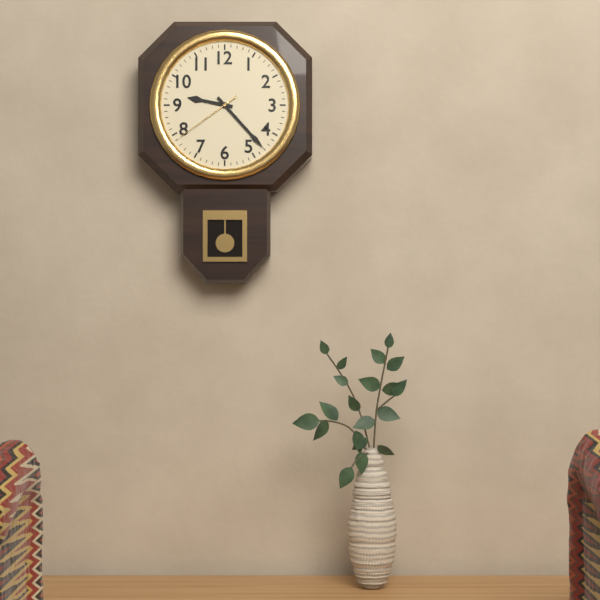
**9:23:39**
